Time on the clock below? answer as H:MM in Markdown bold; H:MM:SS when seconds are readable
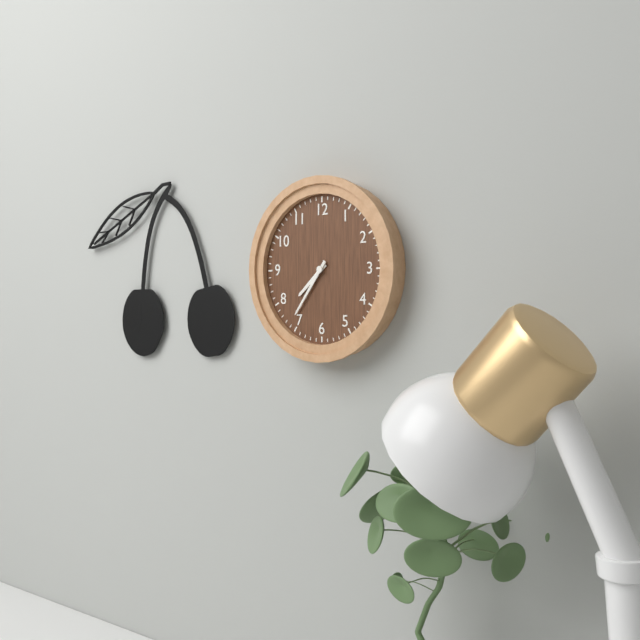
**7:36**
